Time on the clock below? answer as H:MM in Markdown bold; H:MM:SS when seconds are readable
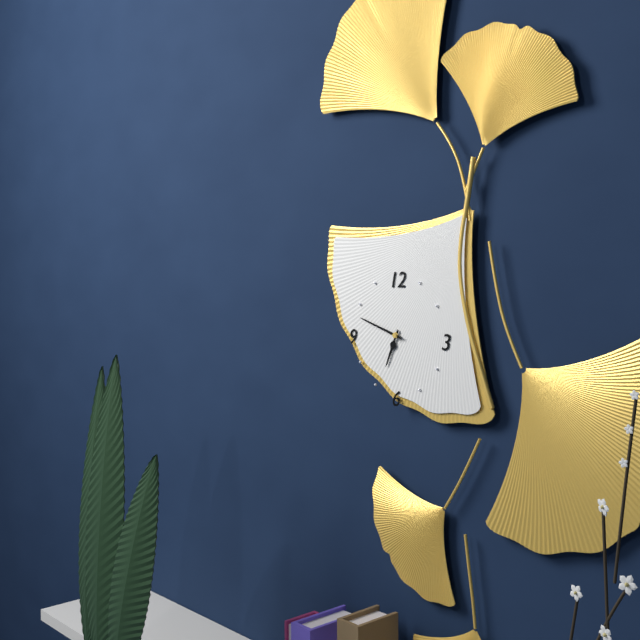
**6:48**
